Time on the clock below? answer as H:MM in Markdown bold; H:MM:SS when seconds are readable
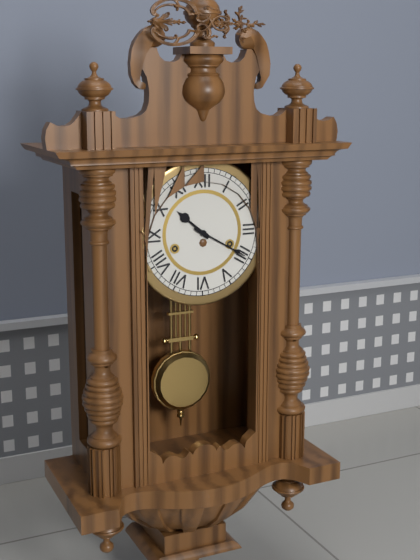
**10:20**
